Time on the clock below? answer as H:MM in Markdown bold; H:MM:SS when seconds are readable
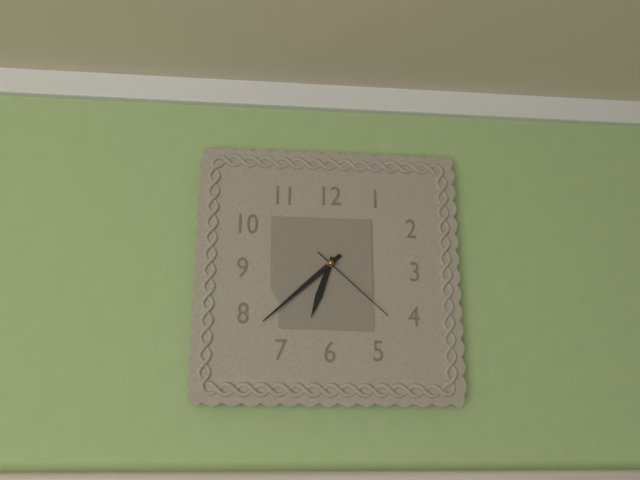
**6:38:22**
